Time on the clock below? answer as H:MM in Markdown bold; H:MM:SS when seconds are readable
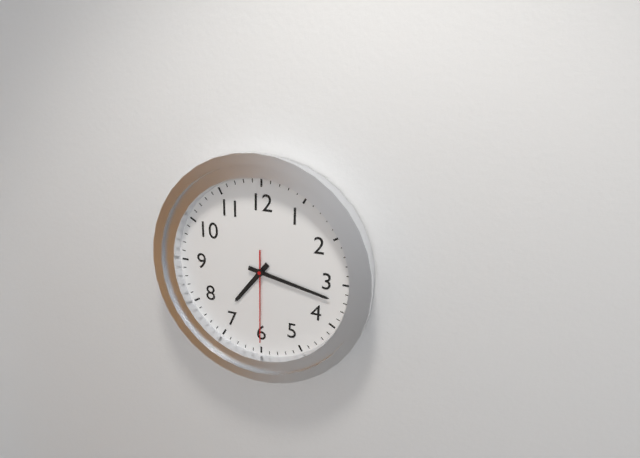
**7:17:30**
